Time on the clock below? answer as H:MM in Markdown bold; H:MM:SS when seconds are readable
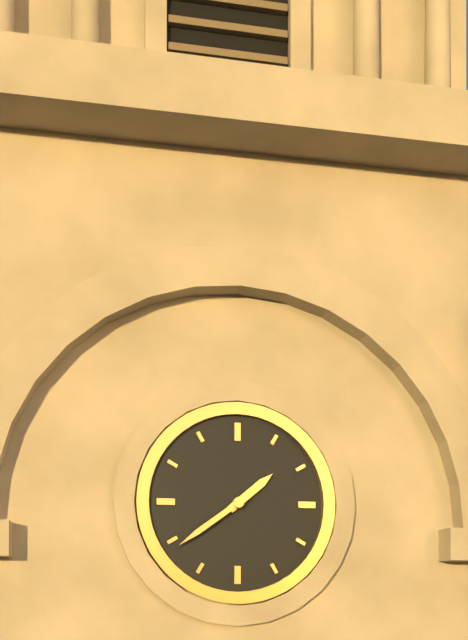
**1:39**
